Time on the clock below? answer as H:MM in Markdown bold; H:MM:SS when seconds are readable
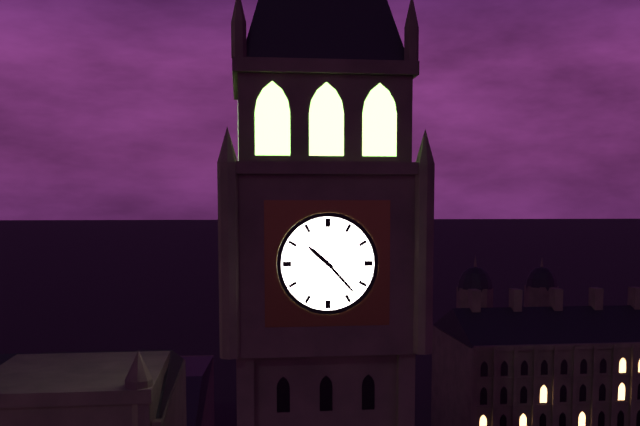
**10:23**
